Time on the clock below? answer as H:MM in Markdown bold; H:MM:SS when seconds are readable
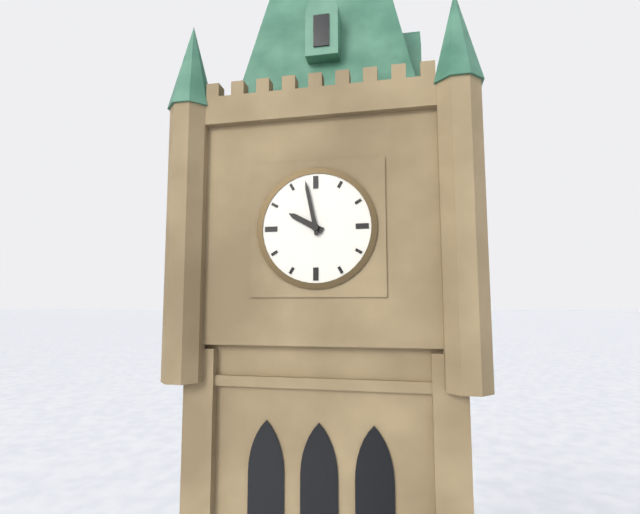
**9:58**
